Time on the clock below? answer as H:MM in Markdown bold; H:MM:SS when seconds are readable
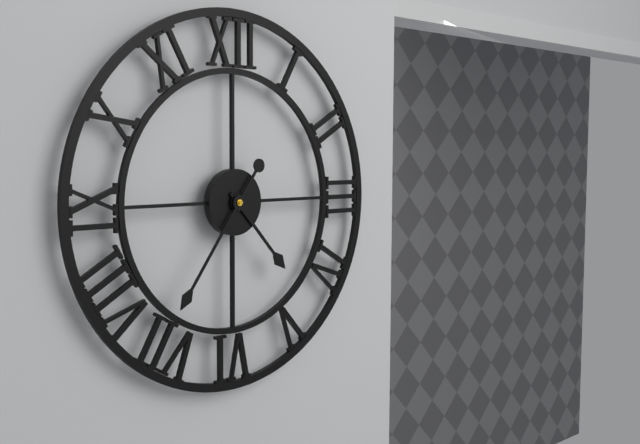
**4:36**
